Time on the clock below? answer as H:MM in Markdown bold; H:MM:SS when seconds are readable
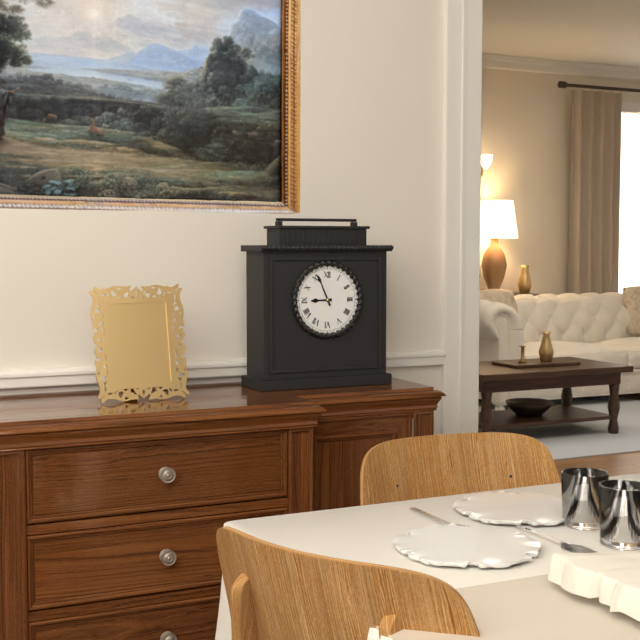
**8:56**
